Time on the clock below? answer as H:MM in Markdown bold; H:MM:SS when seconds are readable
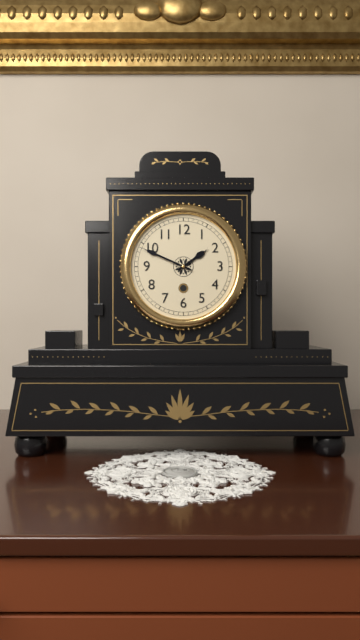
**1:49**
